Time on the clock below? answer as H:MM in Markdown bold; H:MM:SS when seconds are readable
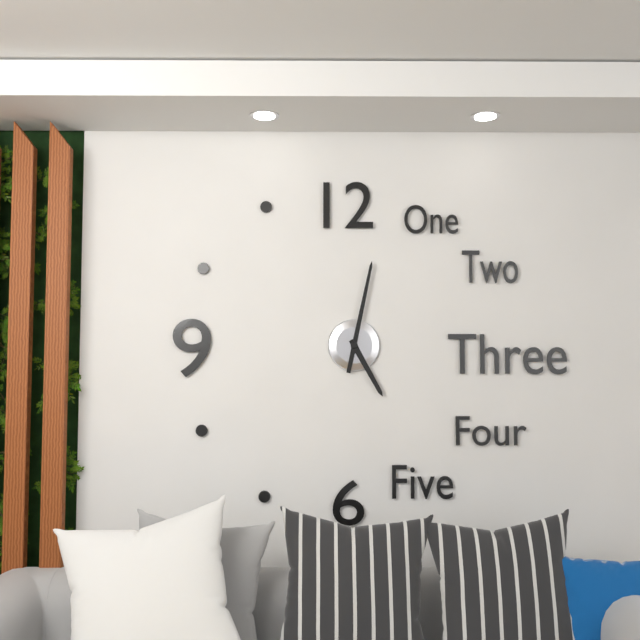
**5:02**
